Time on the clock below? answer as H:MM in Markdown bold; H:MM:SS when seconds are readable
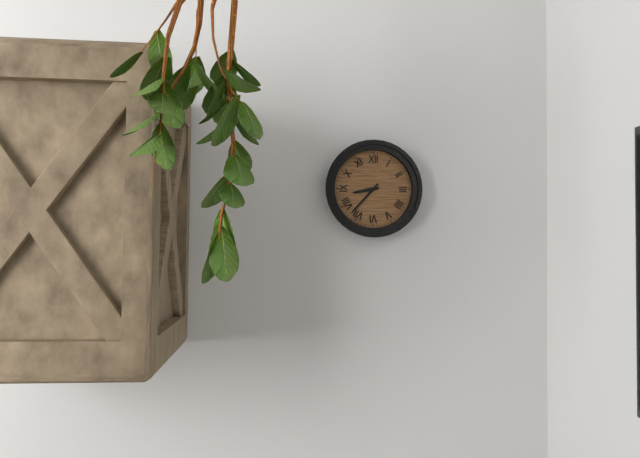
**8:37**
